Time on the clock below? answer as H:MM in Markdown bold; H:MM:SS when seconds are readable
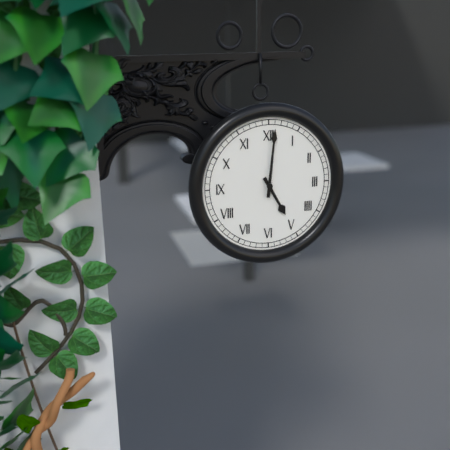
**5:01**
